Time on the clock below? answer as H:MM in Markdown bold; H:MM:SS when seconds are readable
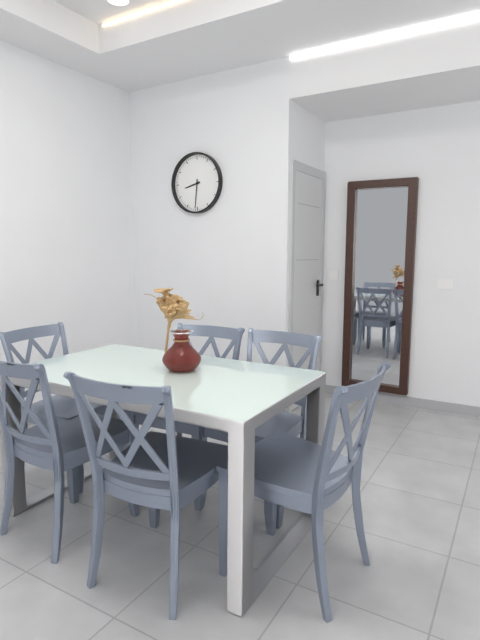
**8:31**
